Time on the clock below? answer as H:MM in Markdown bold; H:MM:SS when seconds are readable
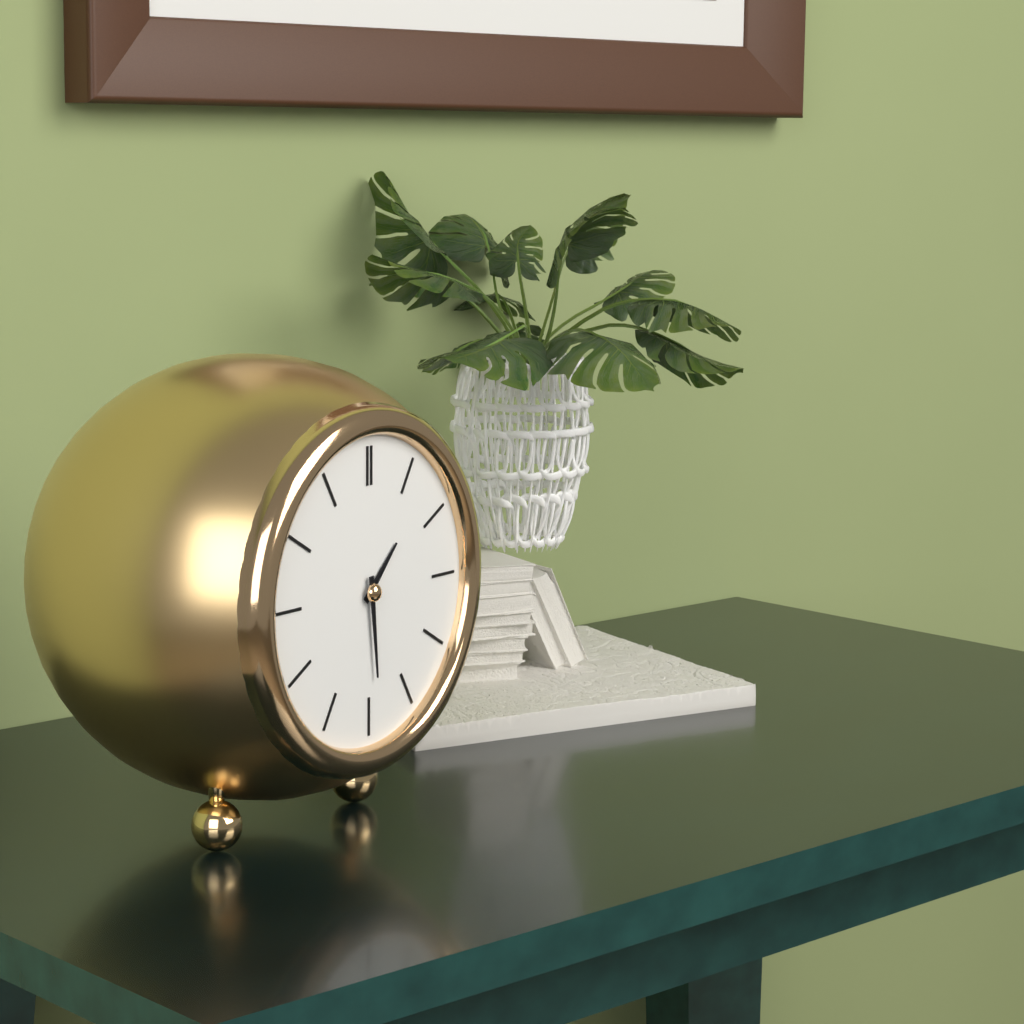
**1:29**
